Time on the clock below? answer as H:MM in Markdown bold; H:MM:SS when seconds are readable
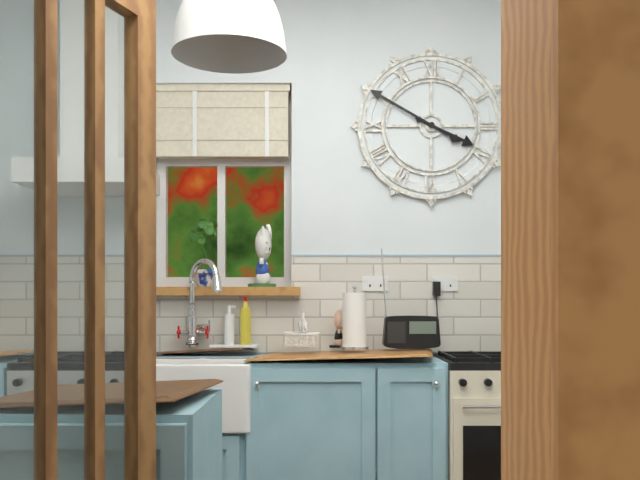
**3:50**
